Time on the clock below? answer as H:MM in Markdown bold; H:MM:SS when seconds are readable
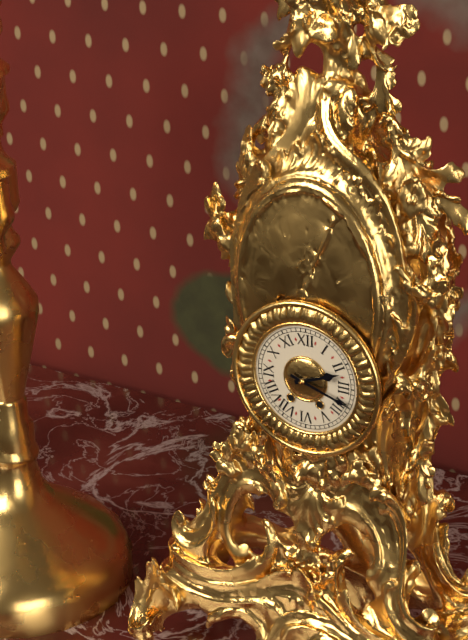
**2:18**
